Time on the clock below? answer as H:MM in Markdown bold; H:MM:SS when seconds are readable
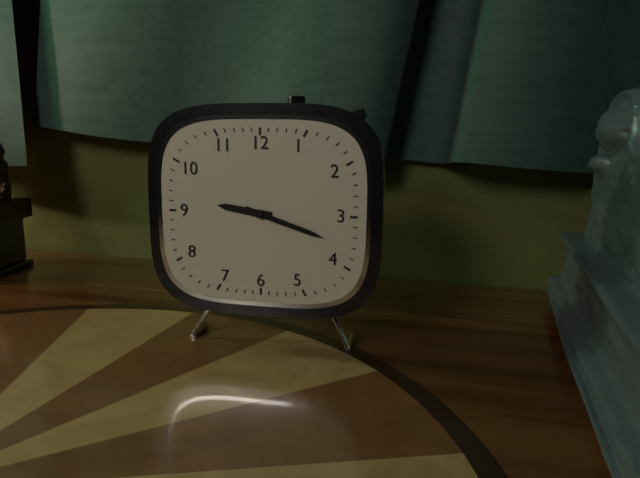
**9:18**
